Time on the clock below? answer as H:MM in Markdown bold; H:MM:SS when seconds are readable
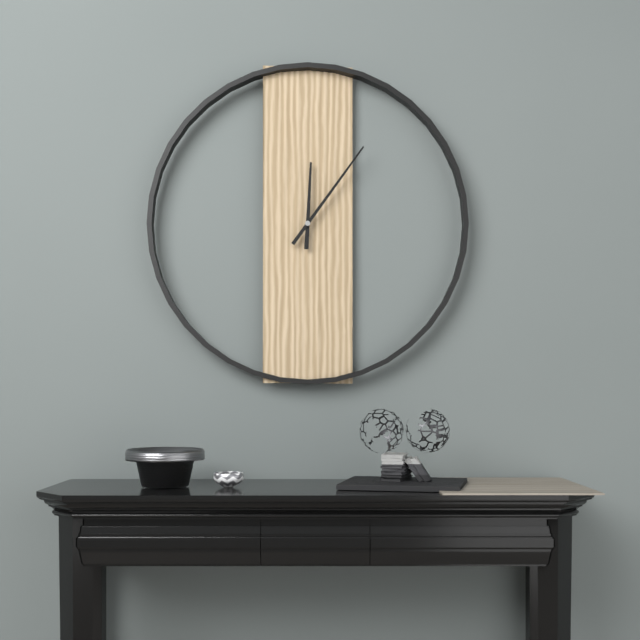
**12:06**
